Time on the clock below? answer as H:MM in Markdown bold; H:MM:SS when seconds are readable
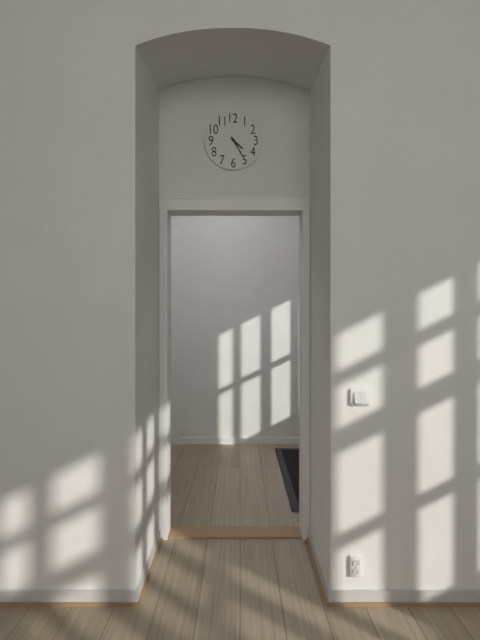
**4:25**
